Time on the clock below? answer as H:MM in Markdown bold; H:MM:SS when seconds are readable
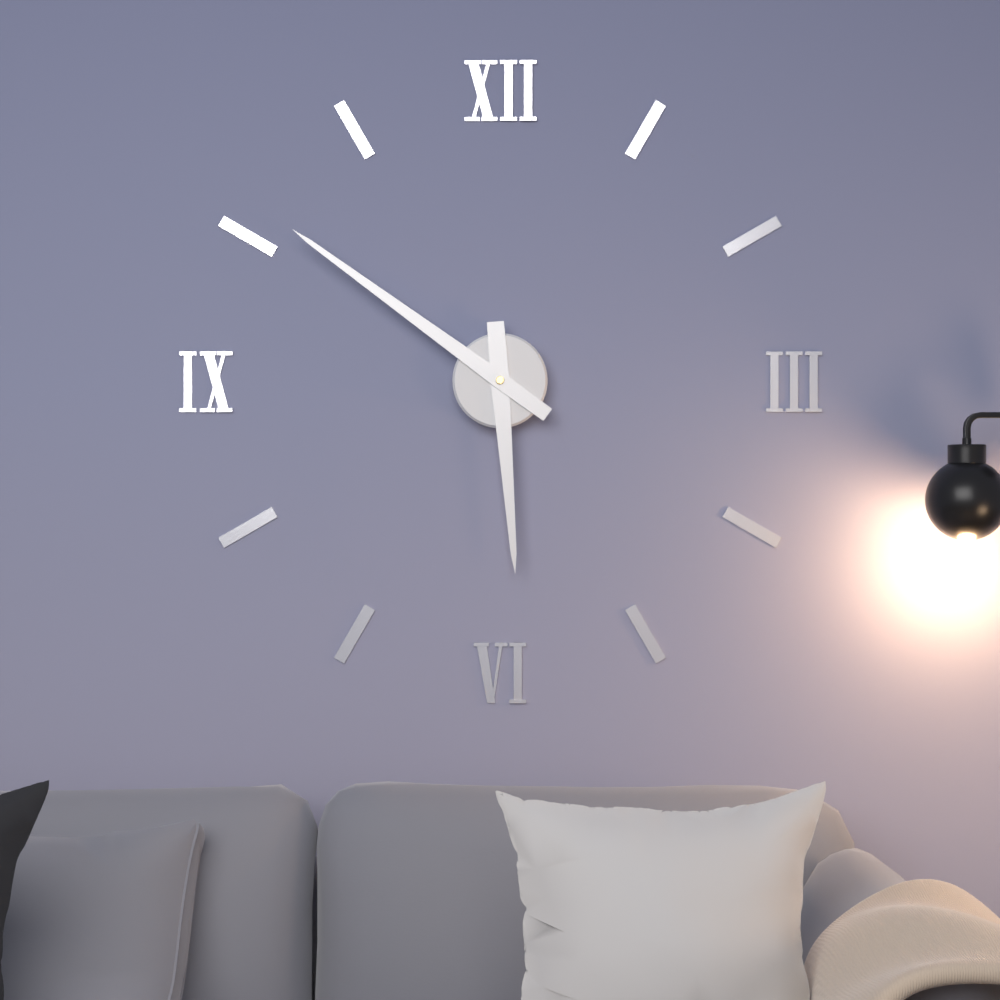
**5:51**
